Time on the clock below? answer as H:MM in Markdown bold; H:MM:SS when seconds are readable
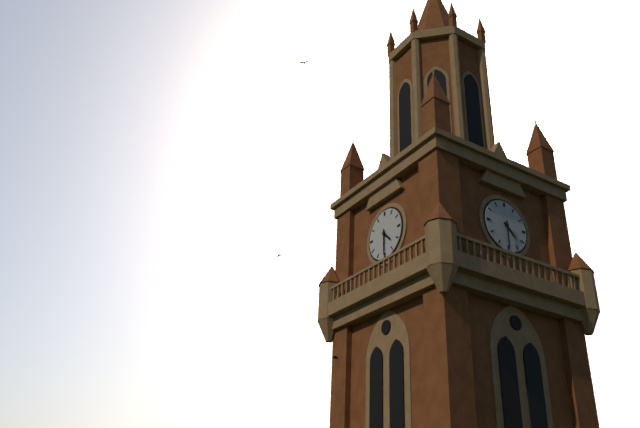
**4:30**
